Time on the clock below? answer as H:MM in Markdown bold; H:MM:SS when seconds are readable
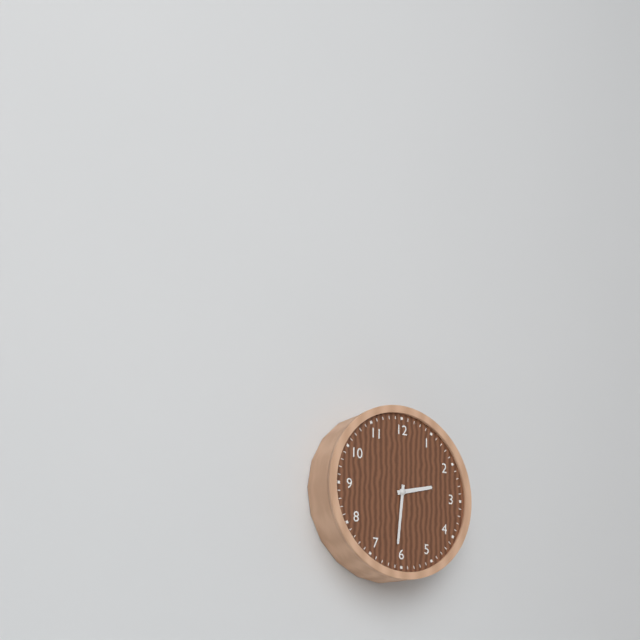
**2:31**
